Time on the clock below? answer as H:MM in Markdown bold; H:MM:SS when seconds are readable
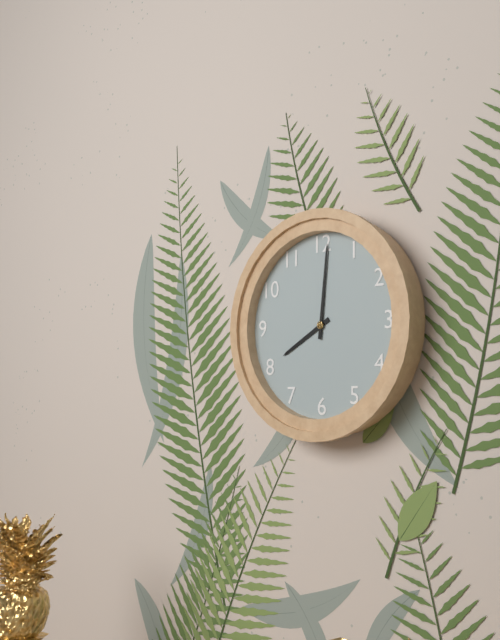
**8:01**
